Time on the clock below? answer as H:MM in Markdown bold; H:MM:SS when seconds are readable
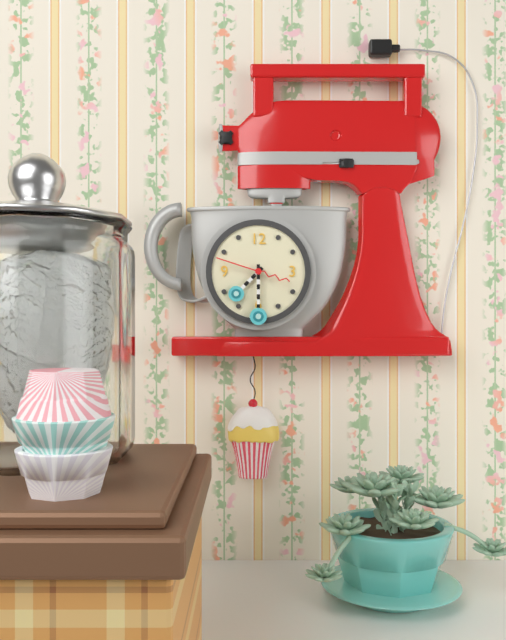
**7:30:48**
